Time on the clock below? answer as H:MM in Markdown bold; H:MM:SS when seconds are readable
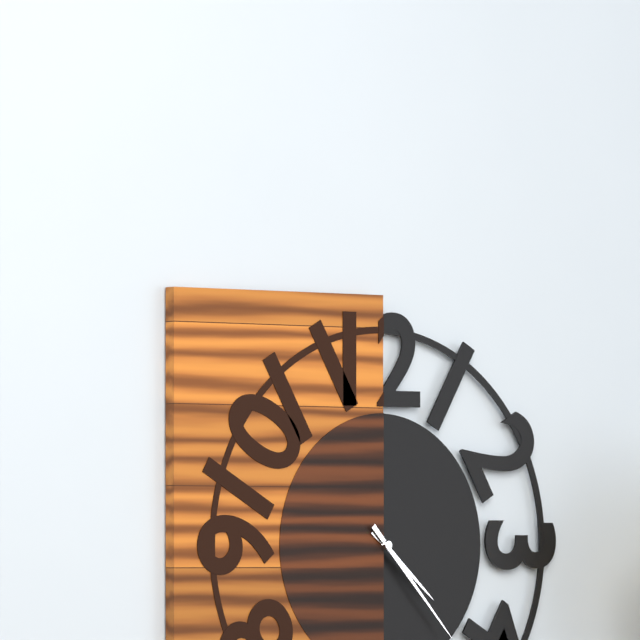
**4:23**
